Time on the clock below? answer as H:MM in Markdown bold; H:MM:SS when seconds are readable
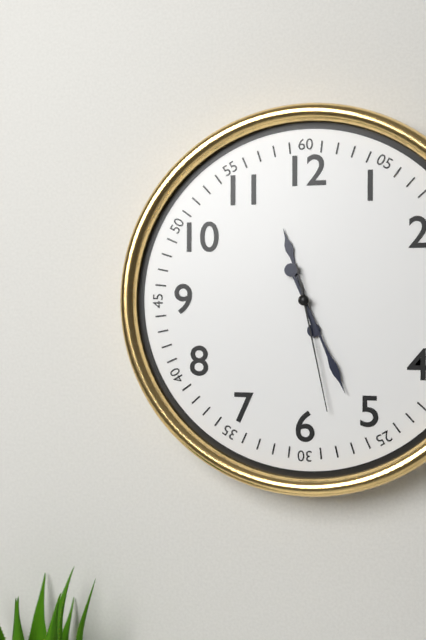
**11:26:28**
